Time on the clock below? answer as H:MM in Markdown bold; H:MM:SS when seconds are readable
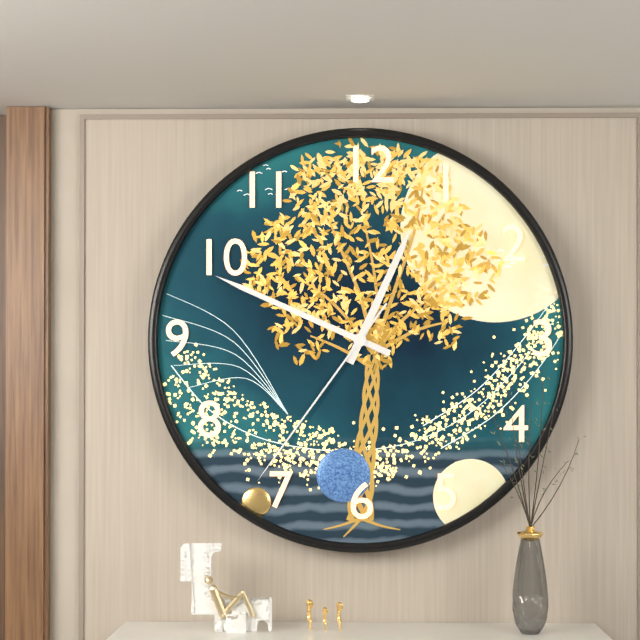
**12:49:36**
